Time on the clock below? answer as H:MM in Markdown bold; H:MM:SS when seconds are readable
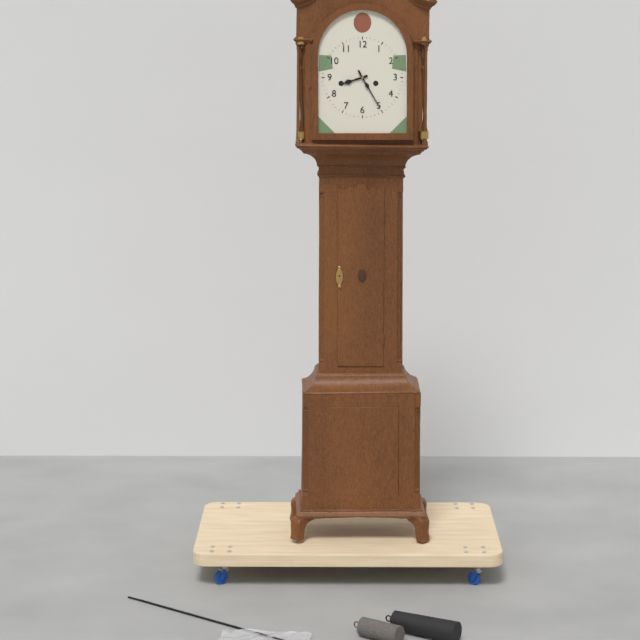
**8:25**
